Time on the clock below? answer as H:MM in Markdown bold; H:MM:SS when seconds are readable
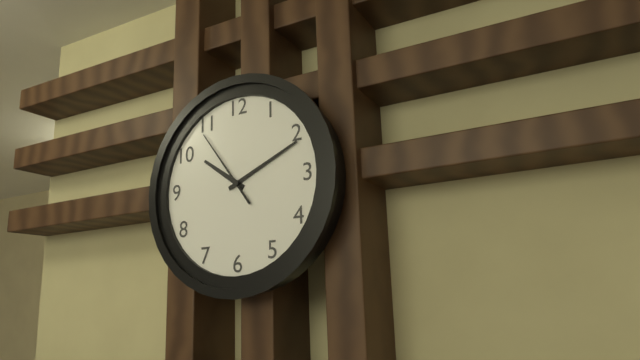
**10:11:54**
